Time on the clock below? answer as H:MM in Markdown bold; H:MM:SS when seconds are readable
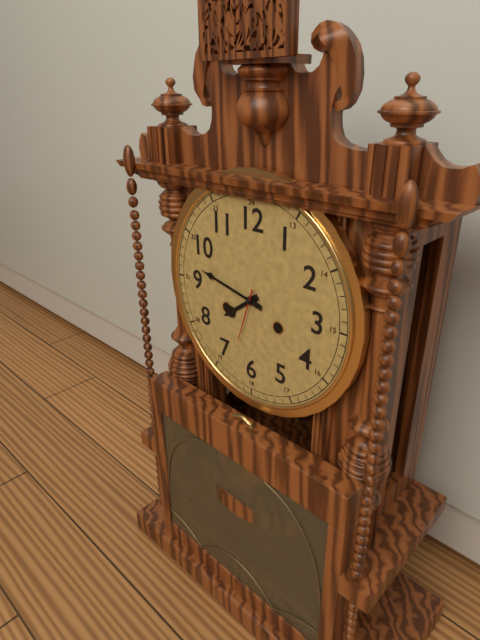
**7:47:33**
